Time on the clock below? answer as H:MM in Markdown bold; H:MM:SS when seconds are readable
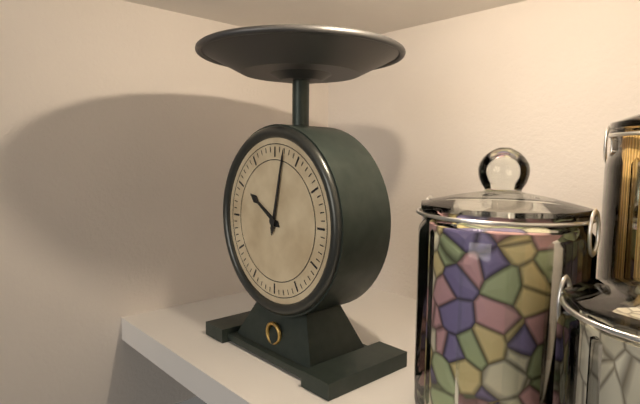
**10:02**
